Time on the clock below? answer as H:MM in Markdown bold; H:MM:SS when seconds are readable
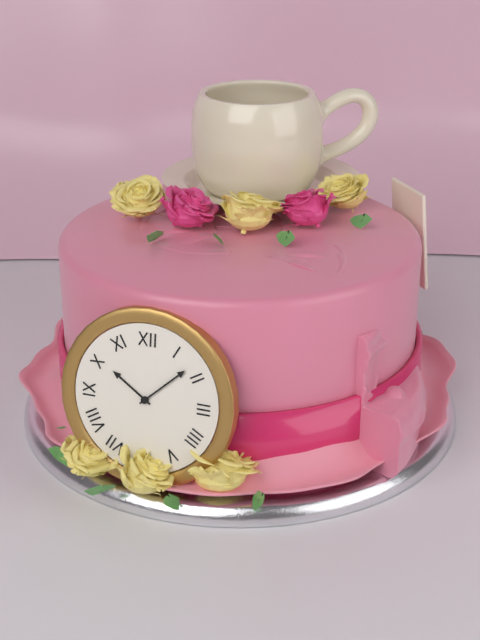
**10:08**
